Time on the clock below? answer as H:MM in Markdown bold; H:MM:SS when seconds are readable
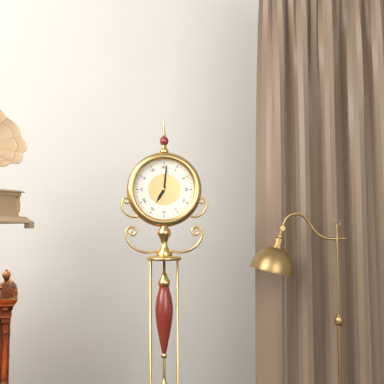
**7:01**
